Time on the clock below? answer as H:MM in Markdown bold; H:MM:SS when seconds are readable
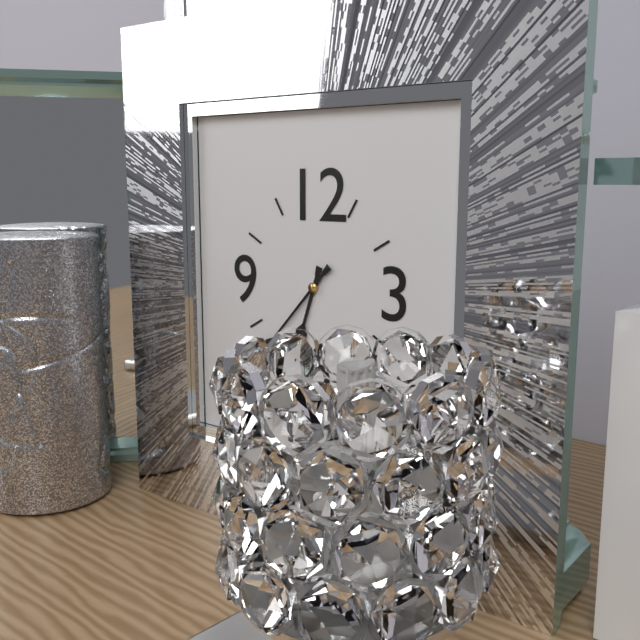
**6:37**
